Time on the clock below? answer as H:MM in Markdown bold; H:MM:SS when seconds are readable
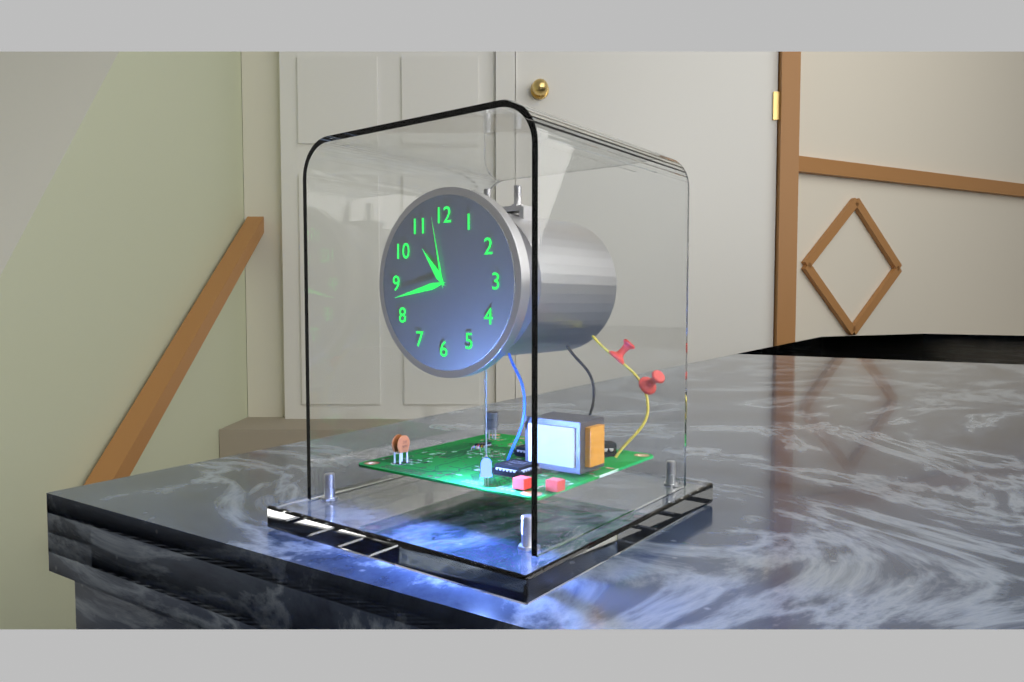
**10:43:58**
